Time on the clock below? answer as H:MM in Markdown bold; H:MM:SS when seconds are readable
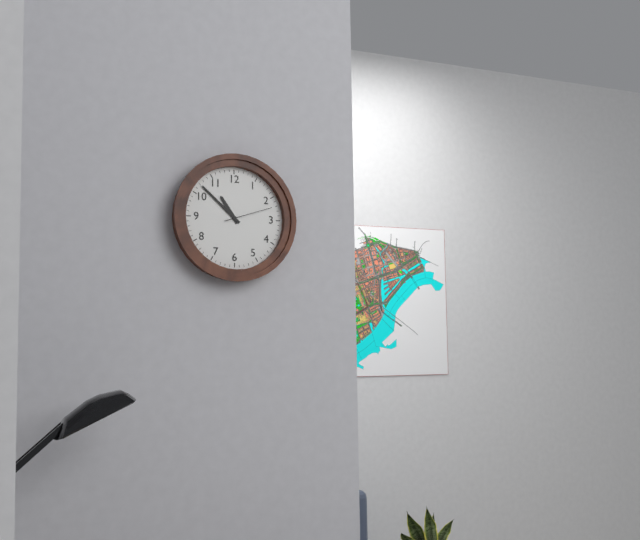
**10:52**
